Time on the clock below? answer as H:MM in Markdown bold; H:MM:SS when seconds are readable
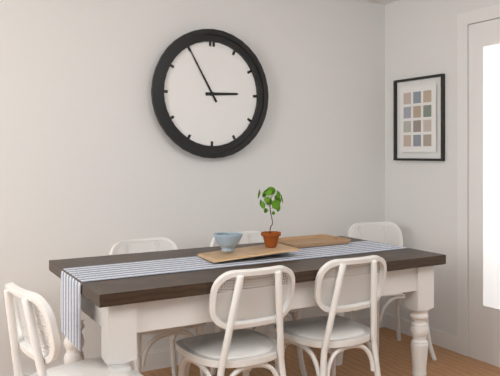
**2:55**
